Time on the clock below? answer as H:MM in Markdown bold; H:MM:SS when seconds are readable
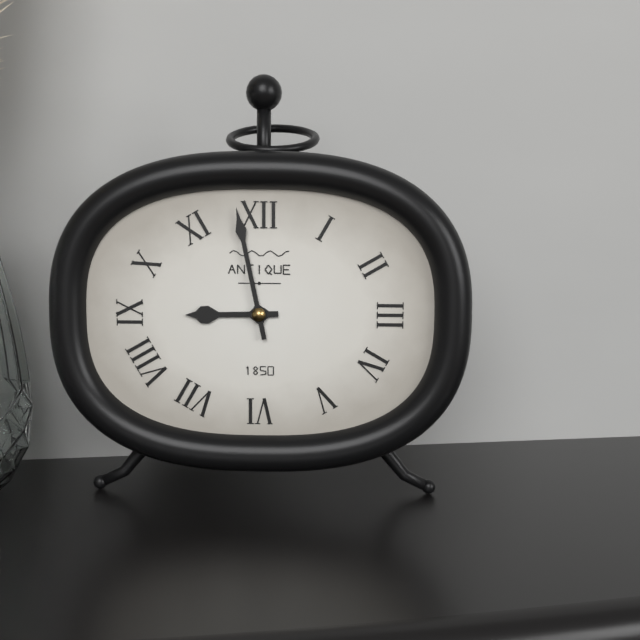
**8:58**
